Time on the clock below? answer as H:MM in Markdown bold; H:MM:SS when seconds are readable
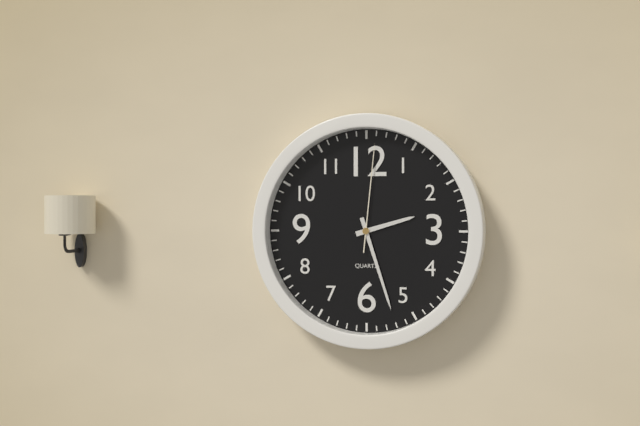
**2:27:01**
